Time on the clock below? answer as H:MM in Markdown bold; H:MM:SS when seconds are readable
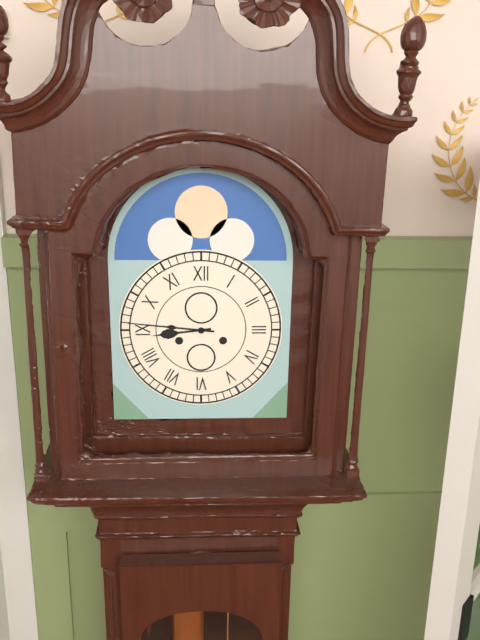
**8:46**
